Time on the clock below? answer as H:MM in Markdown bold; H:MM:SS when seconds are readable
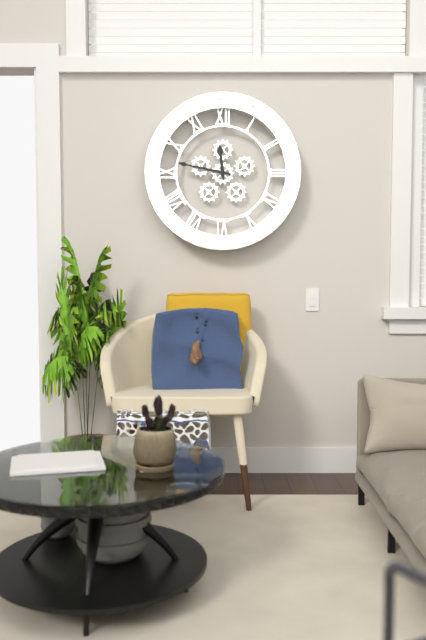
**11:47**
